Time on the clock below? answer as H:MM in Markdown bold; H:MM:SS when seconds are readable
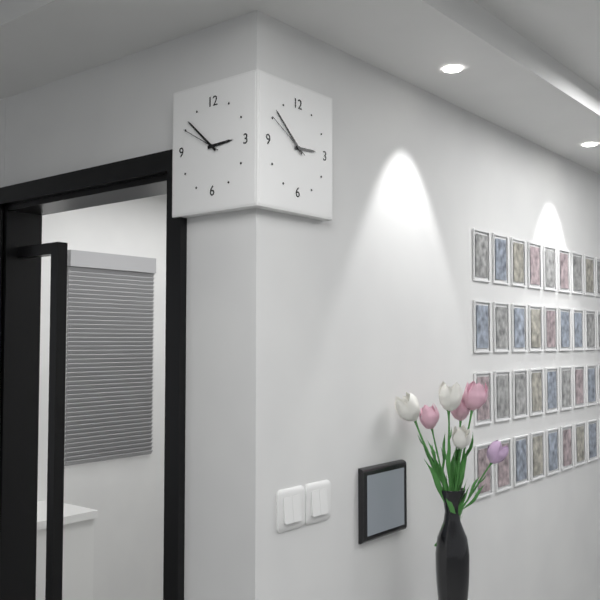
**2:52**
